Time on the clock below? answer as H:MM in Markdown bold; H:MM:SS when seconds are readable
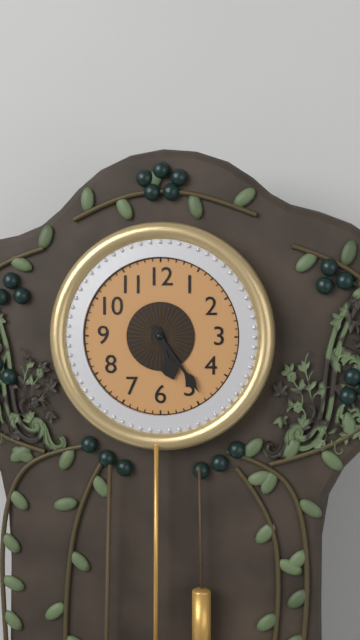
**5:24**
